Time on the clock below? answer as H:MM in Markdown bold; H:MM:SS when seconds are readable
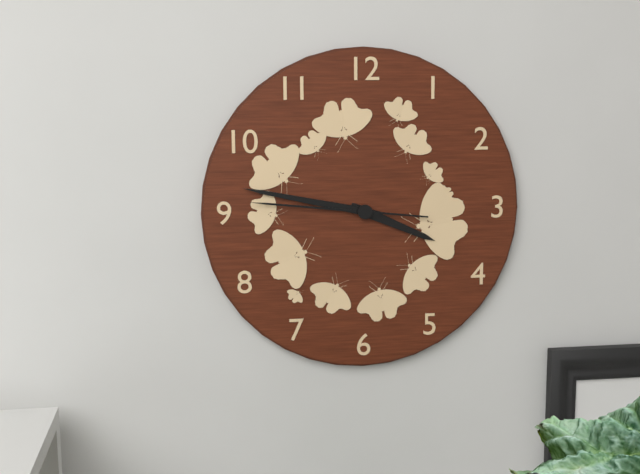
**3:47:46**
